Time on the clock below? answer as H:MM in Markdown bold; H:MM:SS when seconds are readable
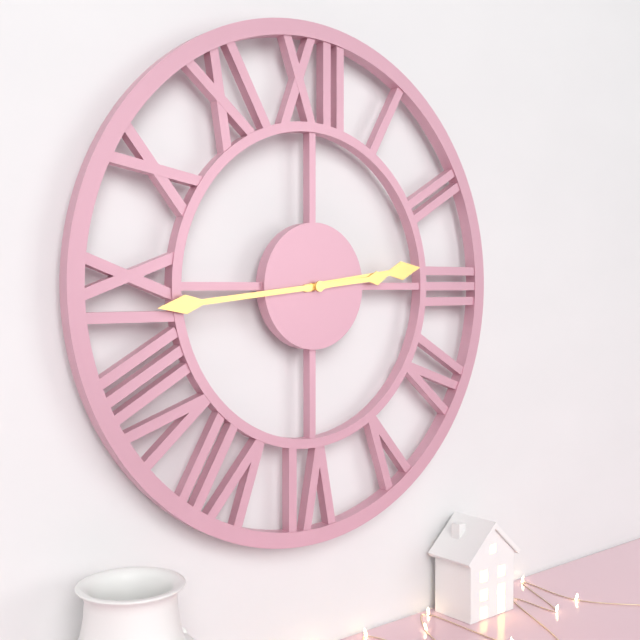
**2:44**
